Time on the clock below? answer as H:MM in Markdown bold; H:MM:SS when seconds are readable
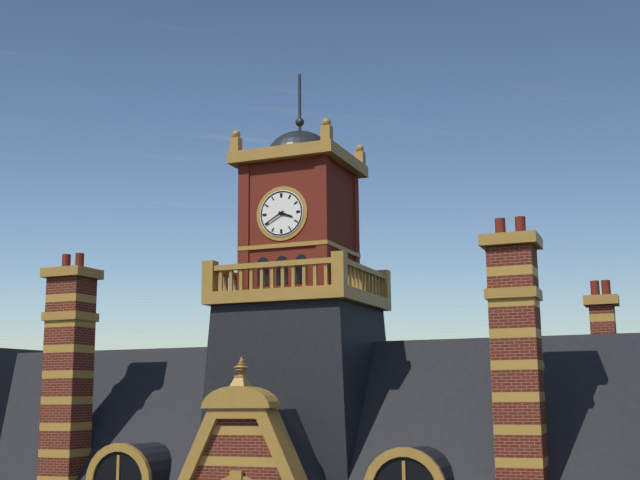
**3:40**
